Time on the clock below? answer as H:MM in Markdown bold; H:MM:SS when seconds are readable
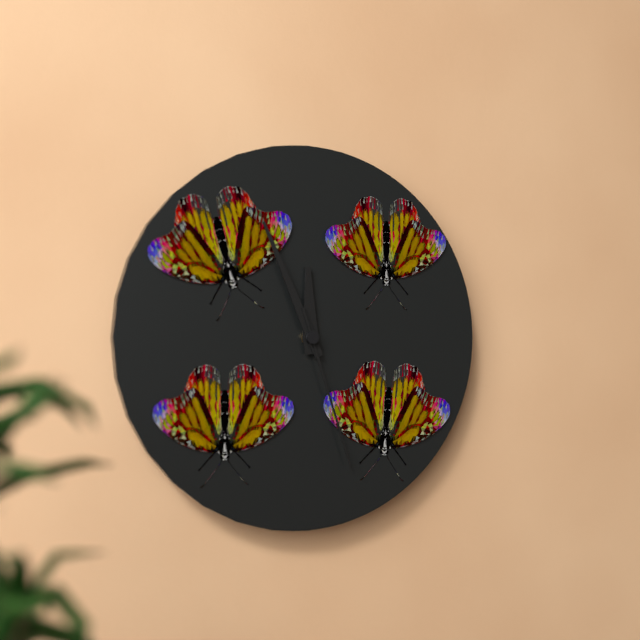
**11:56:27**
